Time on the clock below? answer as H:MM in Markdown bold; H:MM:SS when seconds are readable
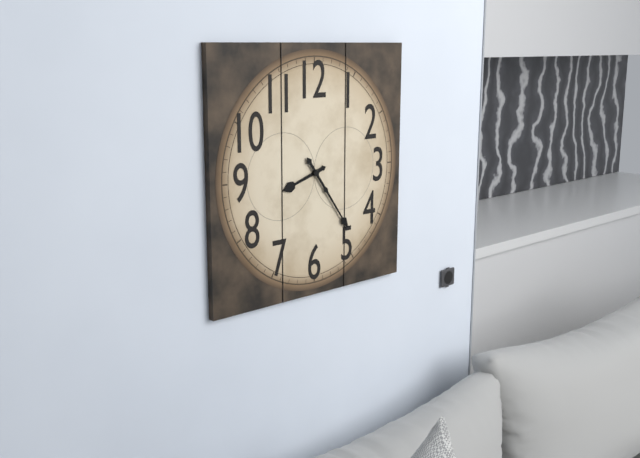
**8:24**
